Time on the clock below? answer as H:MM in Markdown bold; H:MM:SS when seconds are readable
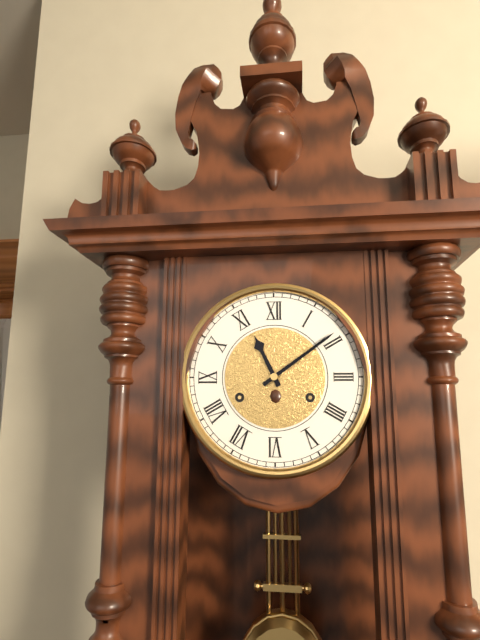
**11:09**
